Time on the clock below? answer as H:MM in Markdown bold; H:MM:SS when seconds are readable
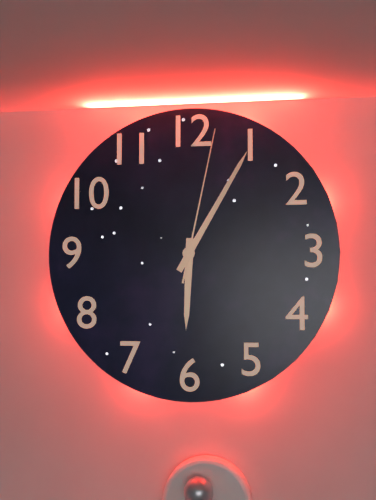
**6:05:02**
